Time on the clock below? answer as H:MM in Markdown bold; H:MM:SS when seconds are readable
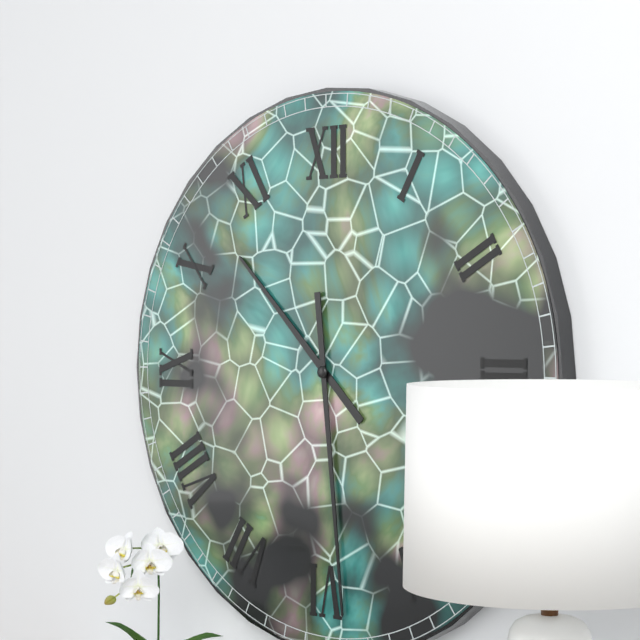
**10:29**
